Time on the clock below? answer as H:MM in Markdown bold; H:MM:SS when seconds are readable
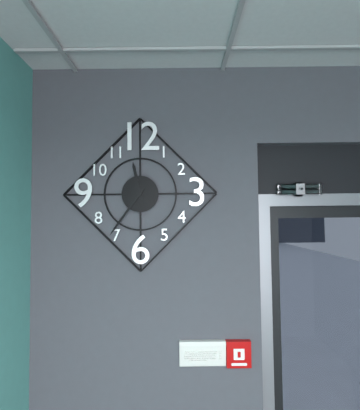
**11:36**
